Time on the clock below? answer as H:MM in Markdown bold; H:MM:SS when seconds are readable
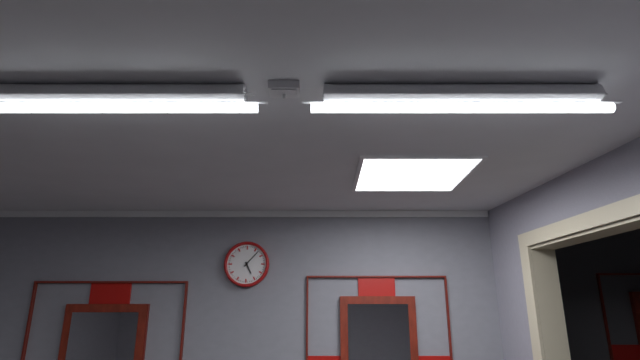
**5:07**
